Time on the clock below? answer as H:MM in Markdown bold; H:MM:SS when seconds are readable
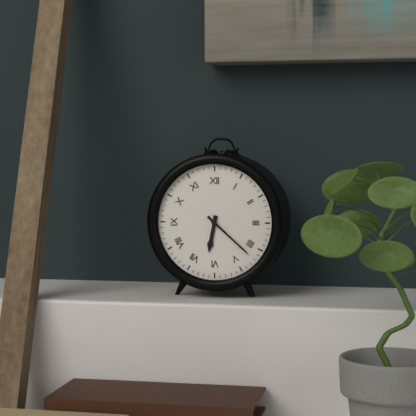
**6:22**
